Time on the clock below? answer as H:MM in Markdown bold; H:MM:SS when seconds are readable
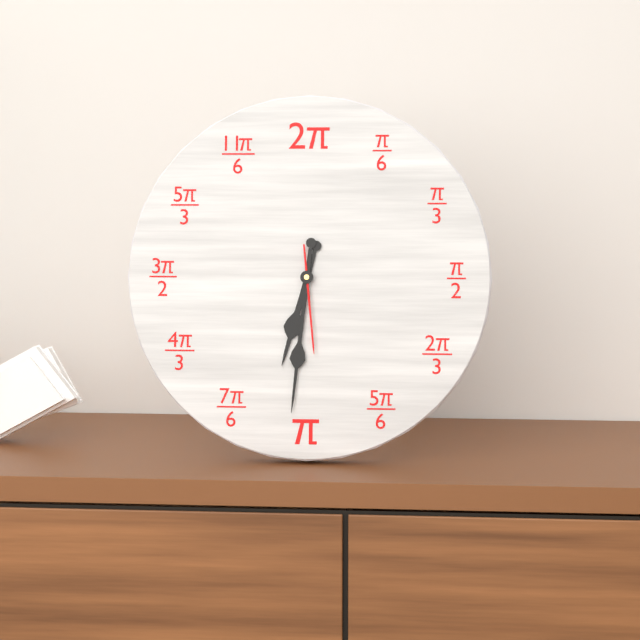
**6:31:29**
